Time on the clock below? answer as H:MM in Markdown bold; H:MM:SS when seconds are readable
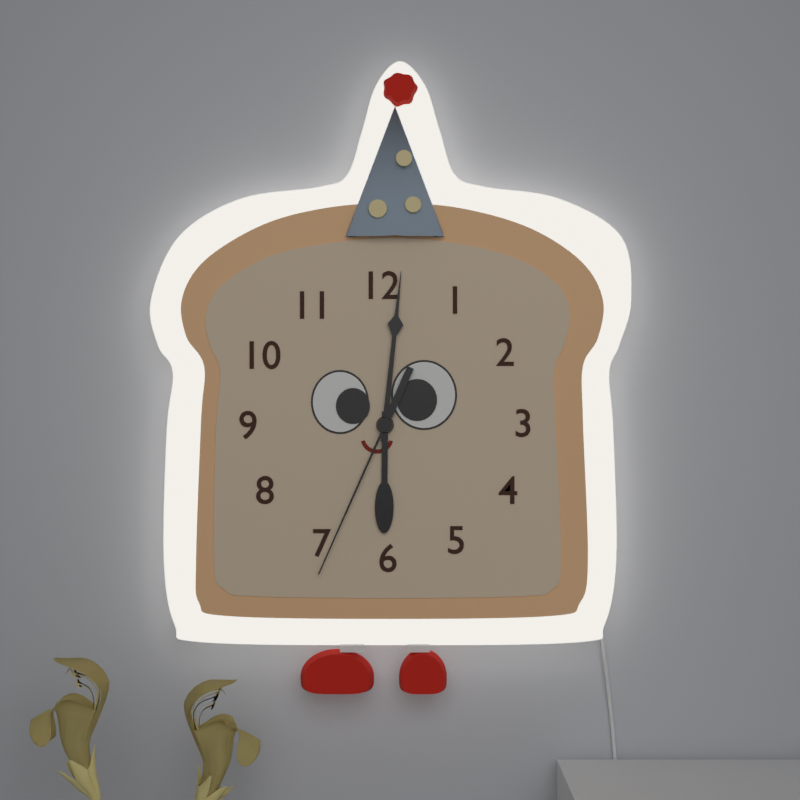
**6:01:34**
